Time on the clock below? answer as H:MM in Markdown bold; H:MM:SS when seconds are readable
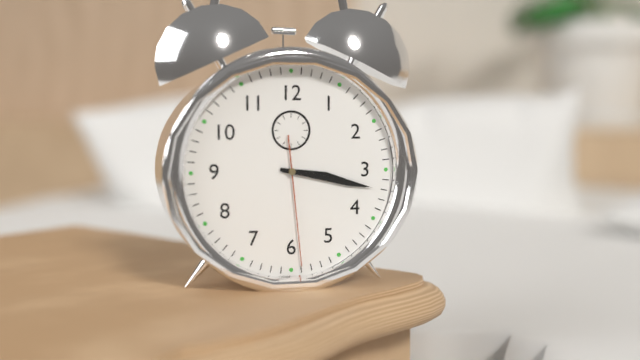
**3:17:29**
